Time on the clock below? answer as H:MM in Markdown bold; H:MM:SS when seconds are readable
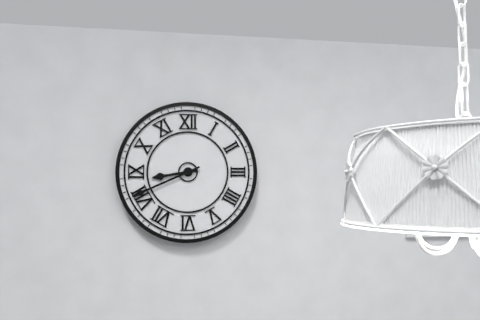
**8:41**
